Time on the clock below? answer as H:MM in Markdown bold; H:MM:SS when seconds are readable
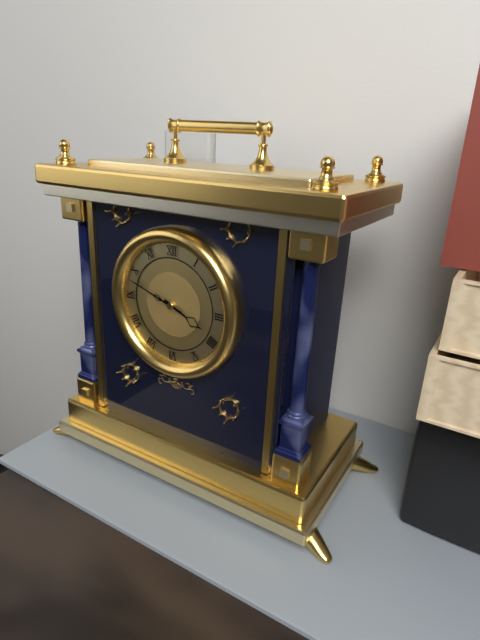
**3:48**
